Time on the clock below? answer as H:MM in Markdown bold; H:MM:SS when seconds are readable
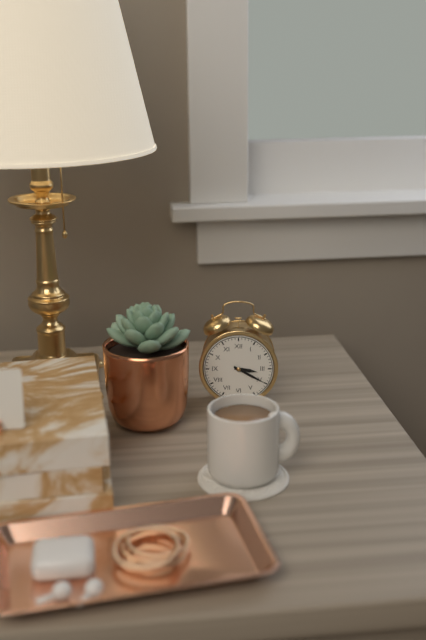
**3:20**
